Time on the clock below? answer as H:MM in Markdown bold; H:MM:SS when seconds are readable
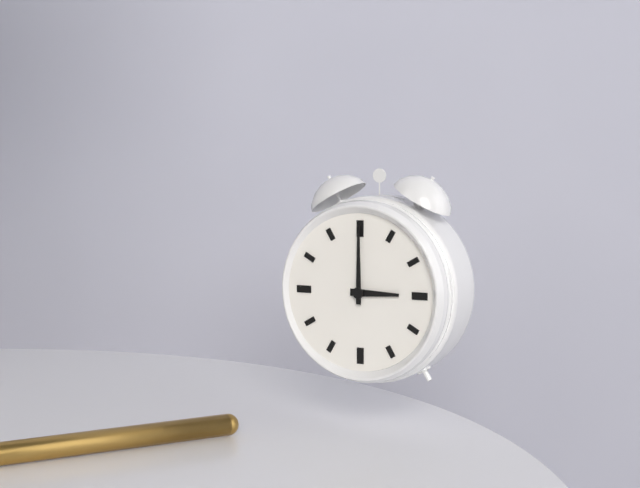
**3:00**
